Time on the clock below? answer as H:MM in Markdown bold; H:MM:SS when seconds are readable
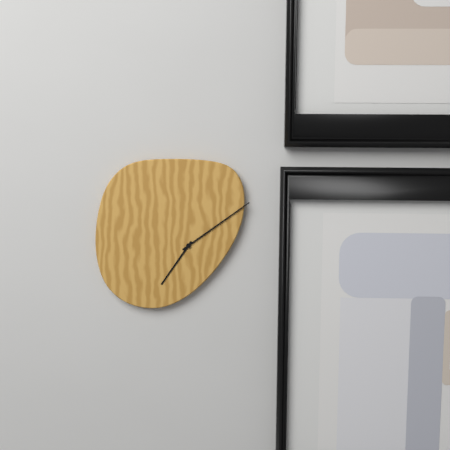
**7:09**
